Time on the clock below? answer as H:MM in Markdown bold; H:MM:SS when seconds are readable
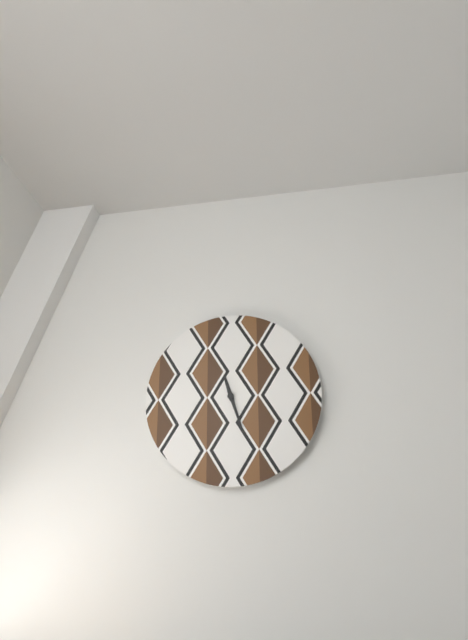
**11:27**
